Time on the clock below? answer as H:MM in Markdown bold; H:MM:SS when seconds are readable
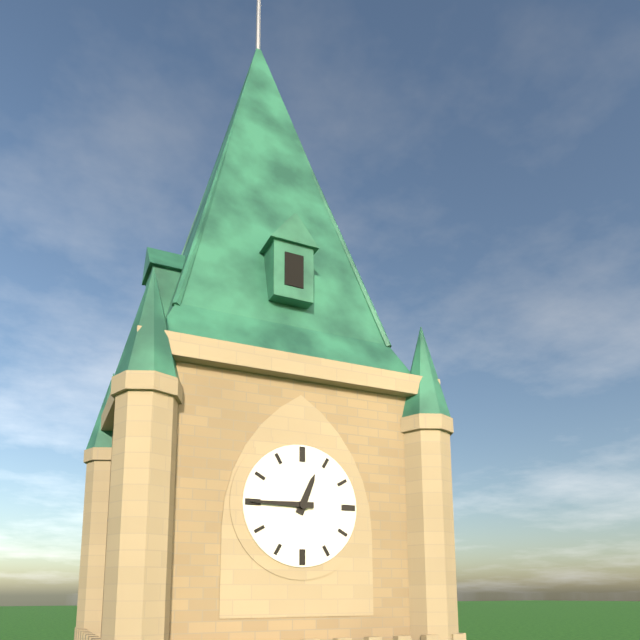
**12:45**
